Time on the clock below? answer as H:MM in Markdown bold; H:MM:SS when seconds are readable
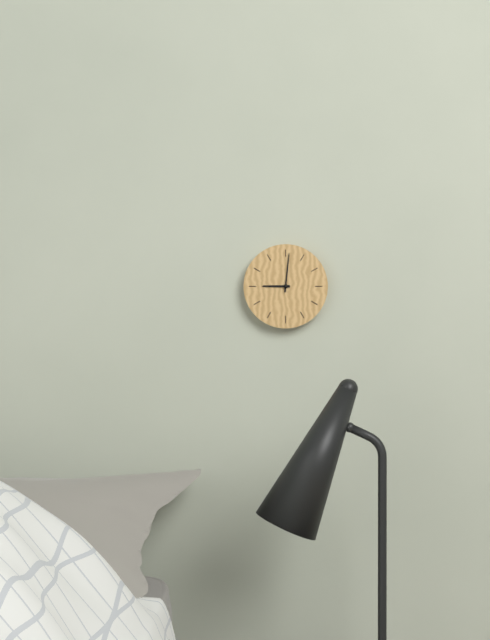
**9:01**
